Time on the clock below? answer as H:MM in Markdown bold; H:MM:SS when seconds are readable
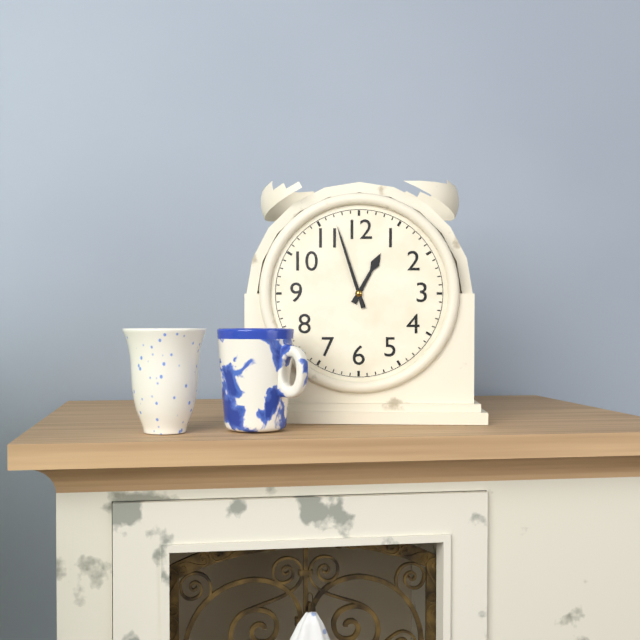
**12:57**
